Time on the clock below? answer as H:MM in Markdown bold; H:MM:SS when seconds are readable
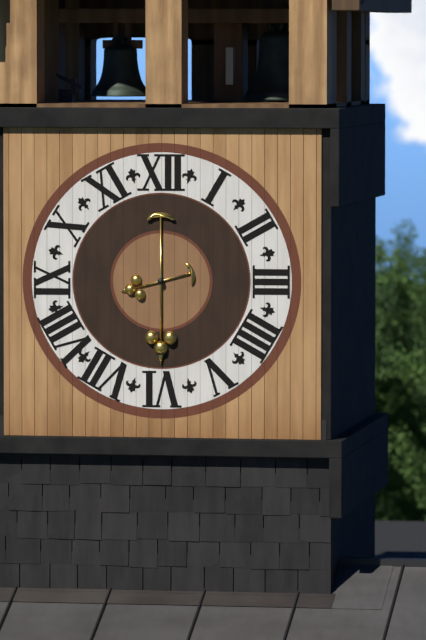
**8:30**
